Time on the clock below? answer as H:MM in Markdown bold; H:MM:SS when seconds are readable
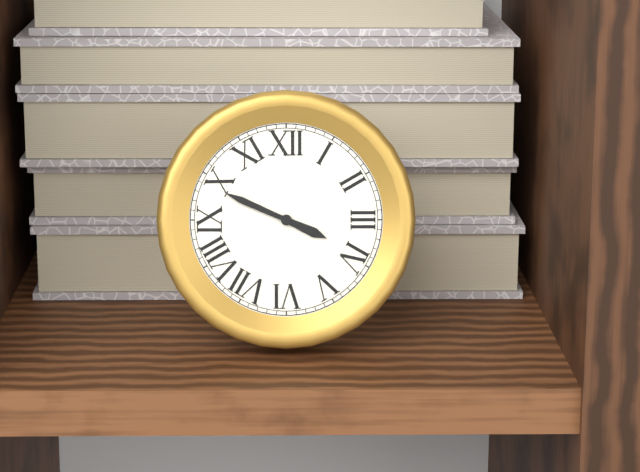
**3:49**
